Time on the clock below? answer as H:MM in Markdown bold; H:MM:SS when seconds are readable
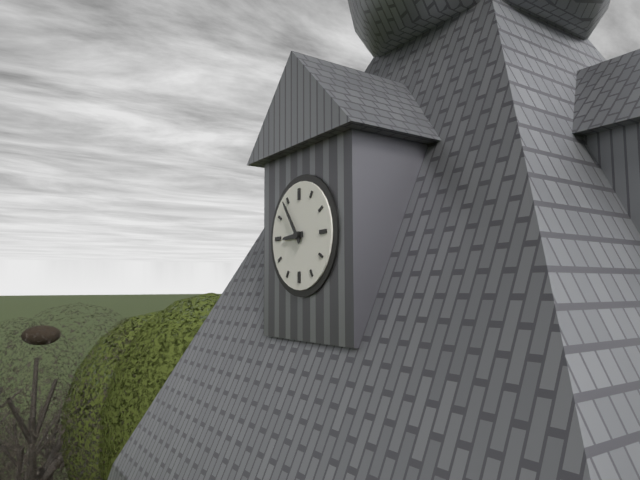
**8:54**
